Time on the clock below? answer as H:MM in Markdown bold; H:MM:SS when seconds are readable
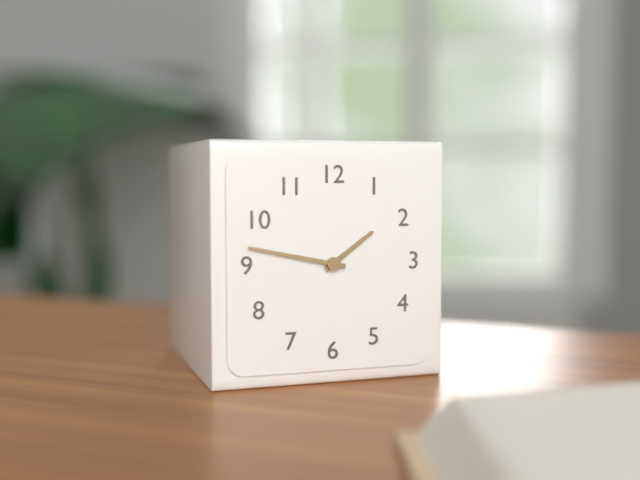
**1:47**
